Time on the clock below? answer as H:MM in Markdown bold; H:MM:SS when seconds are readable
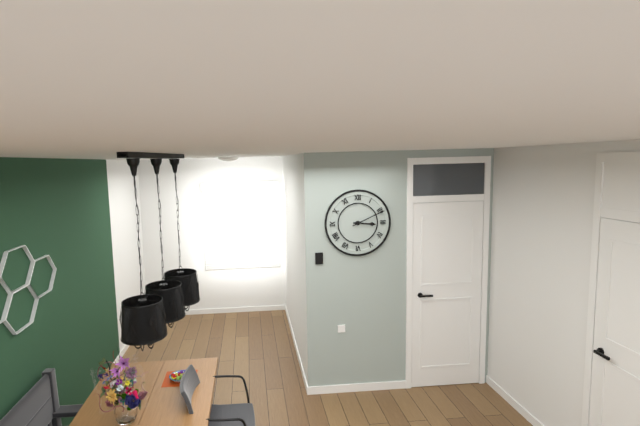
**3:11**
